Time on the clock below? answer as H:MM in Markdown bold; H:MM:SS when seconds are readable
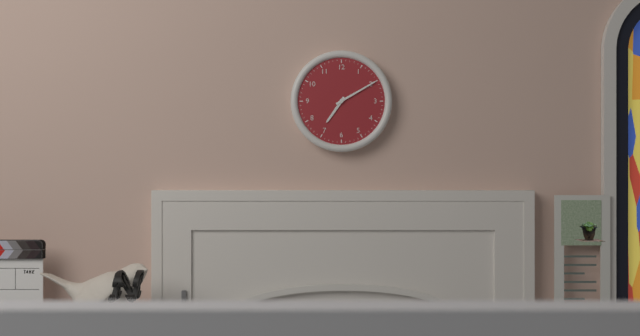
**7:10**
